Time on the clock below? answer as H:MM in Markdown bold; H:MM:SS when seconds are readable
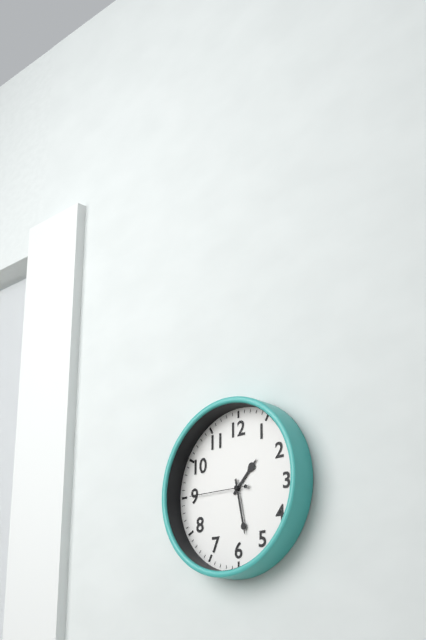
**1:28:45**
